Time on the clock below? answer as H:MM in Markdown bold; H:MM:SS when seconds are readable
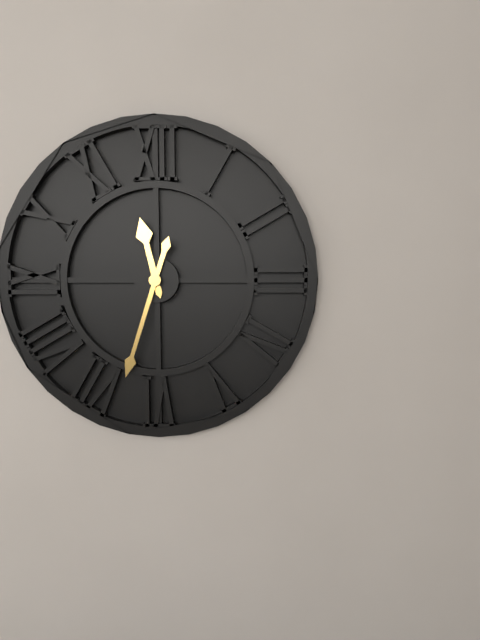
**11:33**
